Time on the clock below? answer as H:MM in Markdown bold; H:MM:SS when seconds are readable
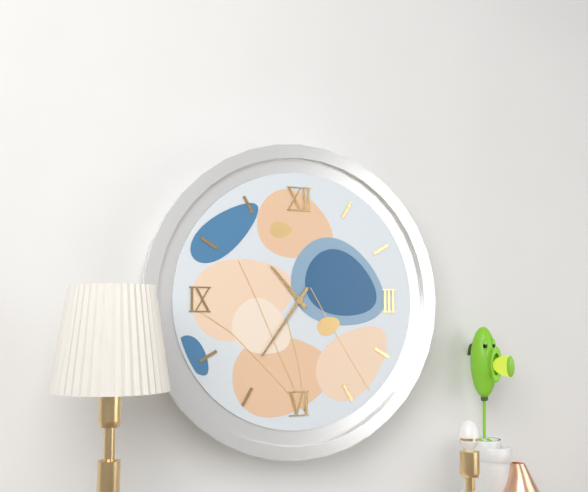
**10:36**
